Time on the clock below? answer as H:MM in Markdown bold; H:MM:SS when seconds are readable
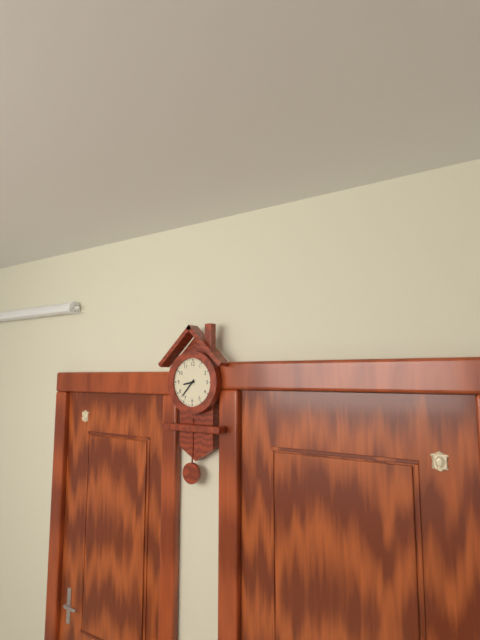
**8:37**
